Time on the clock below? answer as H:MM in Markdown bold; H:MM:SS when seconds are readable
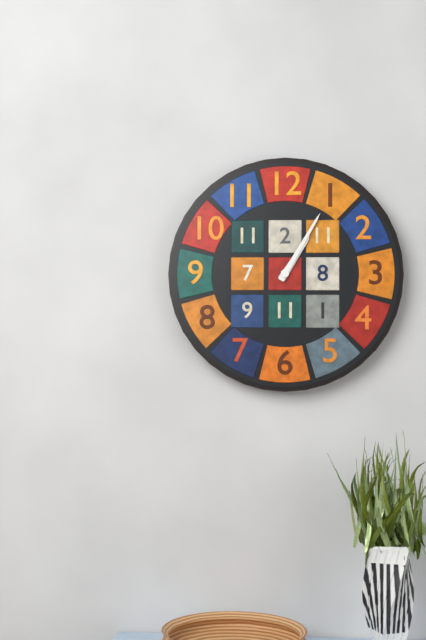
**1:05**
